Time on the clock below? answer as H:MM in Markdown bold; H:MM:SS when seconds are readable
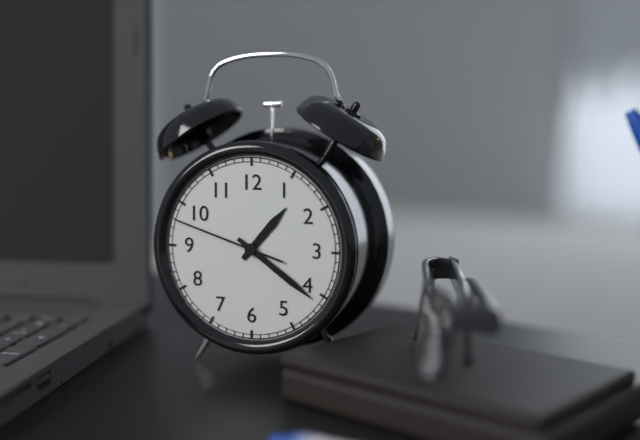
**1:21:48**
